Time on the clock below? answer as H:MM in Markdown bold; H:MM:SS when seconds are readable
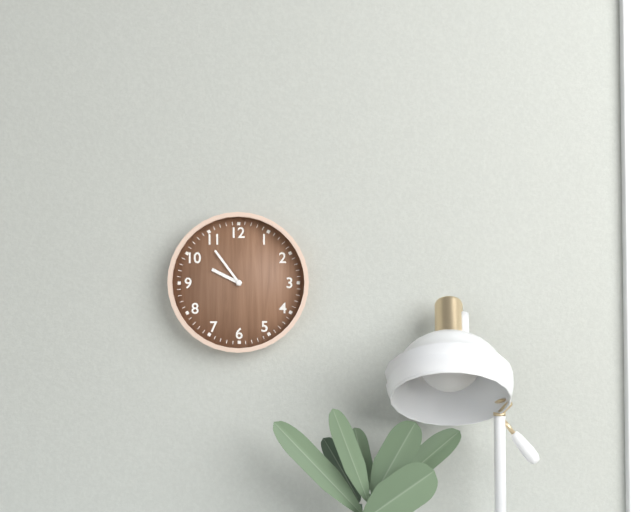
**9:54**
